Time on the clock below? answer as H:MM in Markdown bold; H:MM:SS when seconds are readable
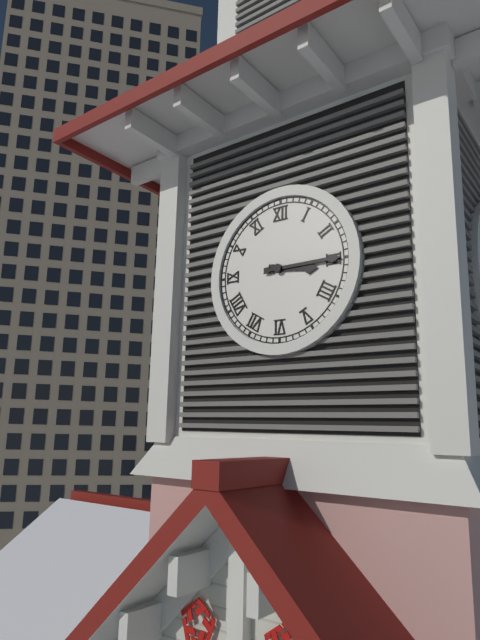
**3:15**
